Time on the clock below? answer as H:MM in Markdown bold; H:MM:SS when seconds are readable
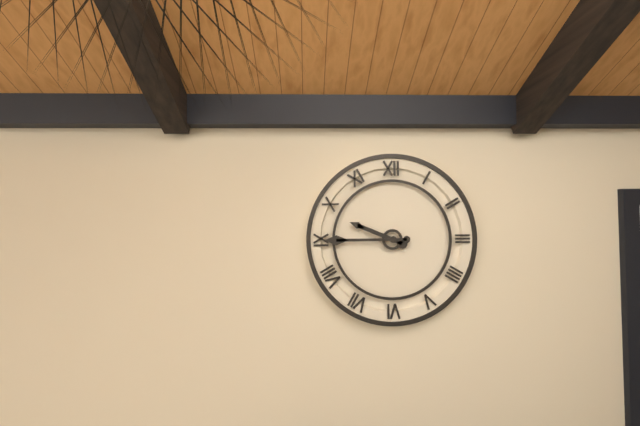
**9:45**
